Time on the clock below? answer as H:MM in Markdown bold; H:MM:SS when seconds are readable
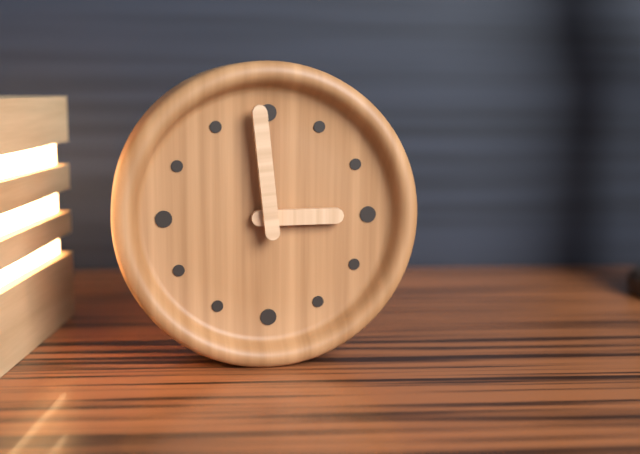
**2:59**
